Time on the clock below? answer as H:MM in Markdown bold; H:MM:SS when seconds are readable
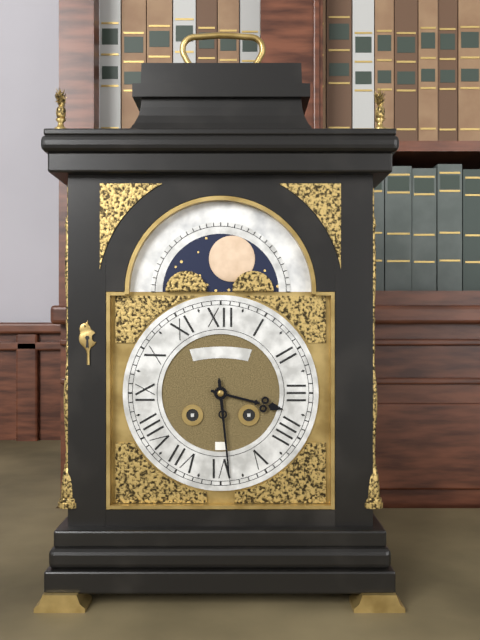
**3:29**
